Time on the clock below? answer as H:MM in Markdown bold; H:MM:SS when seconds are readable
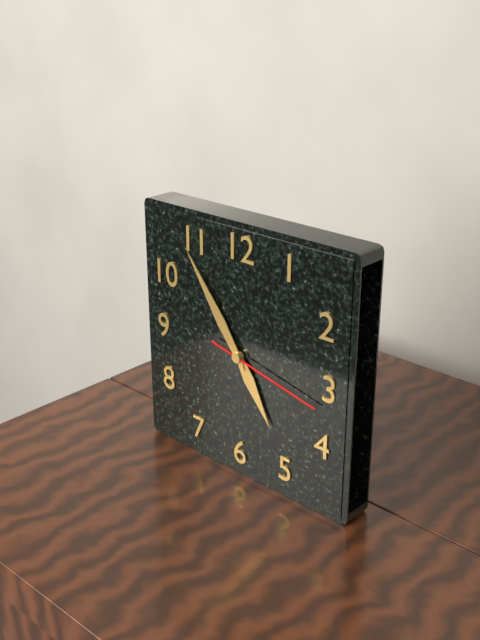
**4:54:17**
